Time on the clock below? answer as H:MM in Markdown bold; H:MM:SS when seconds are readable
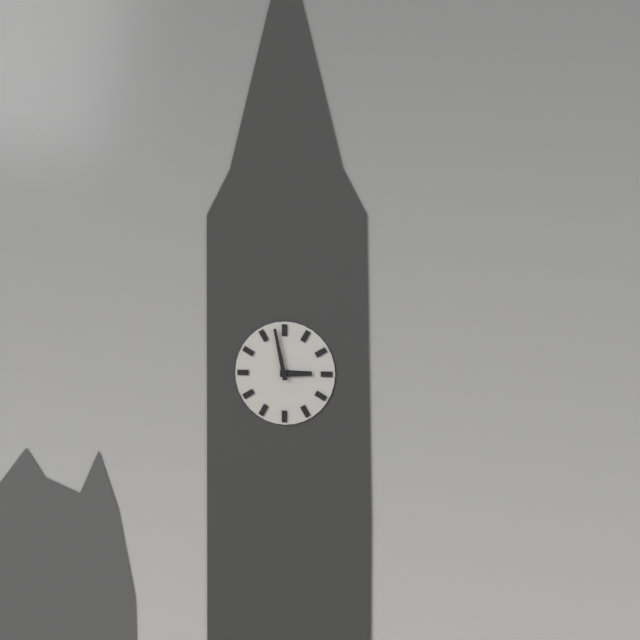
**2:58**
